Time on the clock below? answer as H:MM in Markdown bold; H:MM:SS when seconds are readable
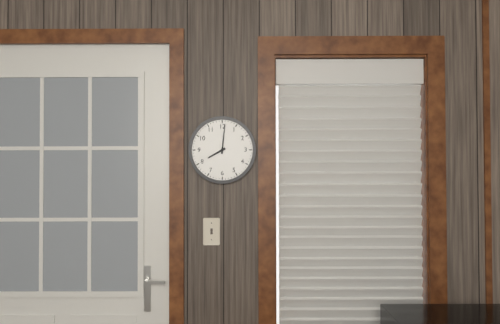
**8:01**
